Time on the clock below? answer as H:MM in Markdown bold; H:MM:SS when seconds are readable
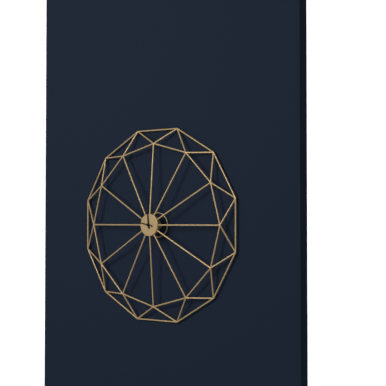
**11:47**
